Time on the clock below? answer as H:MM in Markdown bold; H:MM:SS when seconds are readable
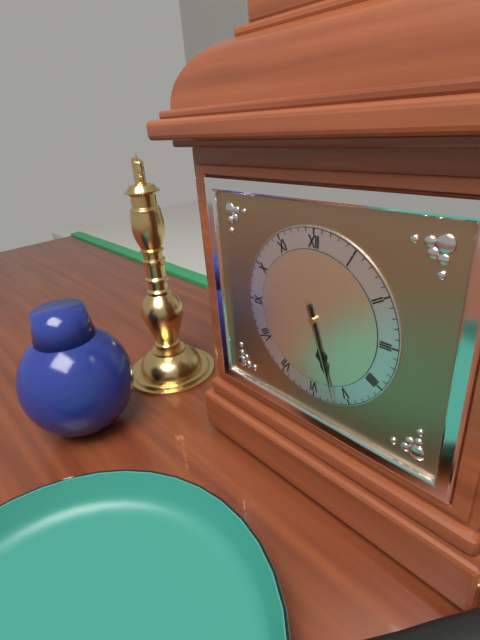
**5:27:27**
